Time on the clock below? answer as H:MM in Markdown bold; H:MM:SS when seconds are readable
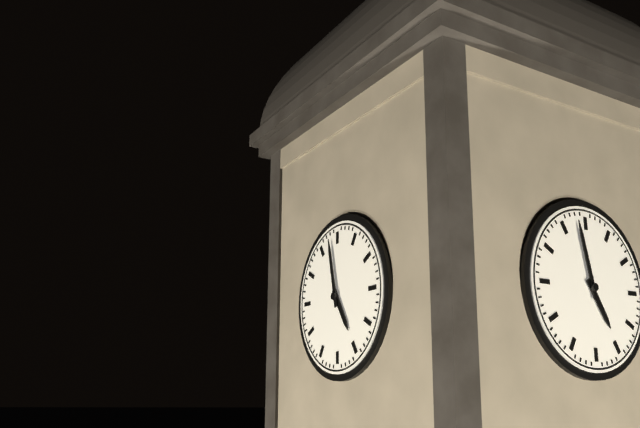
**4:58**
